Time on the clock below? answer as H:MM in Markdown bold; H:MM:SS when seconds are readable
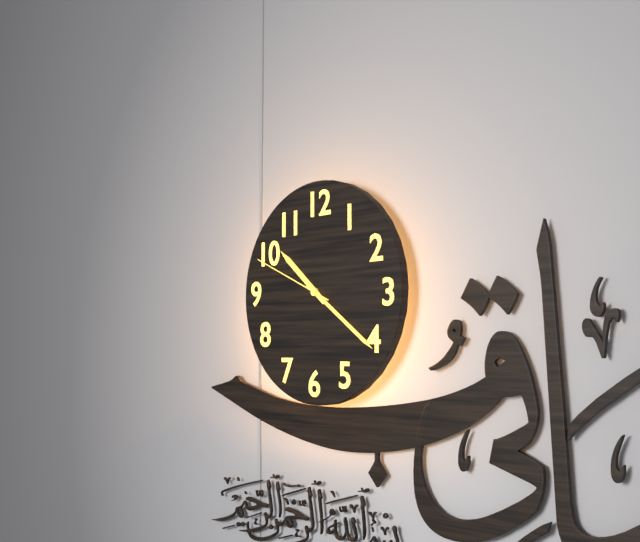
**10:21:49**
